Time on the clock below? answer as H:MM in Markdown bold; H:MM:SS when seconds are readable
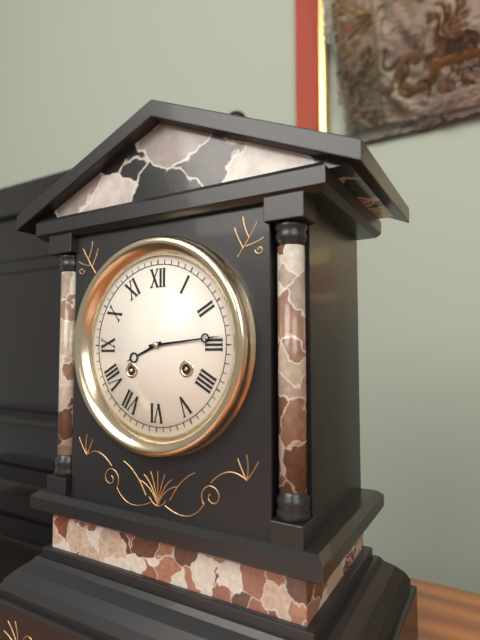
**8:14**
